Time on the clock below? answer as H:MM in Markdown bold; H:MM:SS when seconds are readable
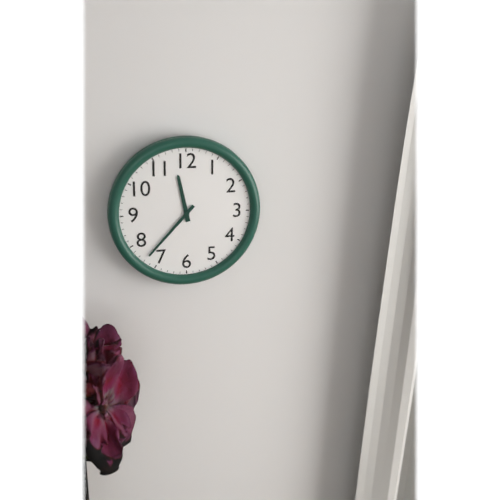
**11:37**
